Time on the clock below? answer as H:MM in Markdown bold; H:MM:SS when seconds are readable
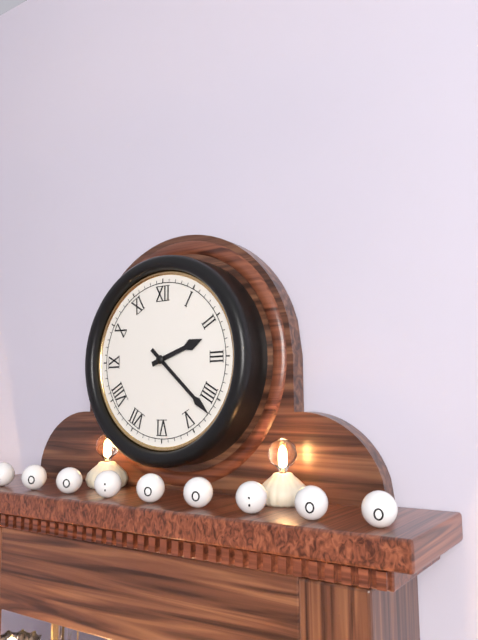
**2:22**
